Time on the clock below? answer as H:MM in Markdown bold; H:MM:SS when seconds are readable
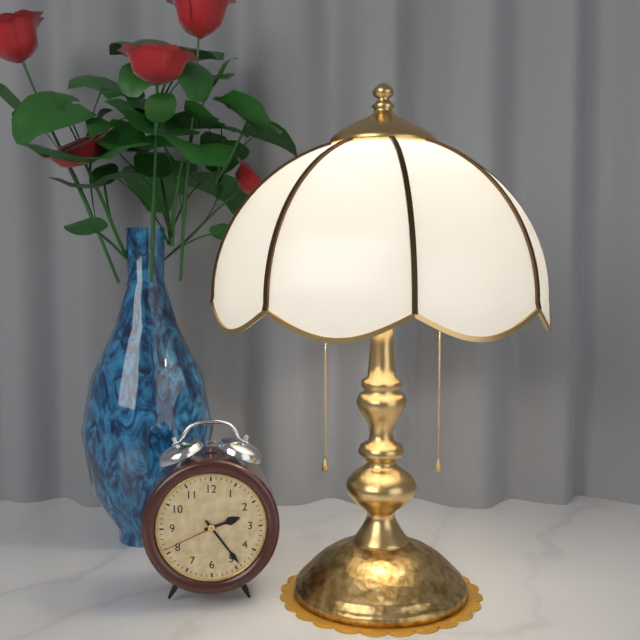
**2:24:41**
